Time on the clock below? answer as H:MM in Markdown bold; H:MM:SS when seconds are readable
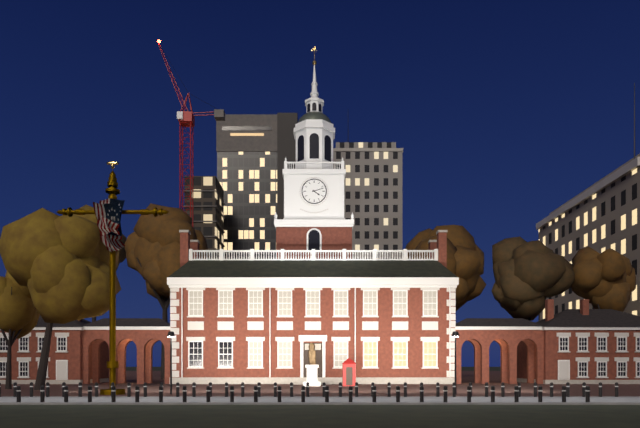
**4:12**
